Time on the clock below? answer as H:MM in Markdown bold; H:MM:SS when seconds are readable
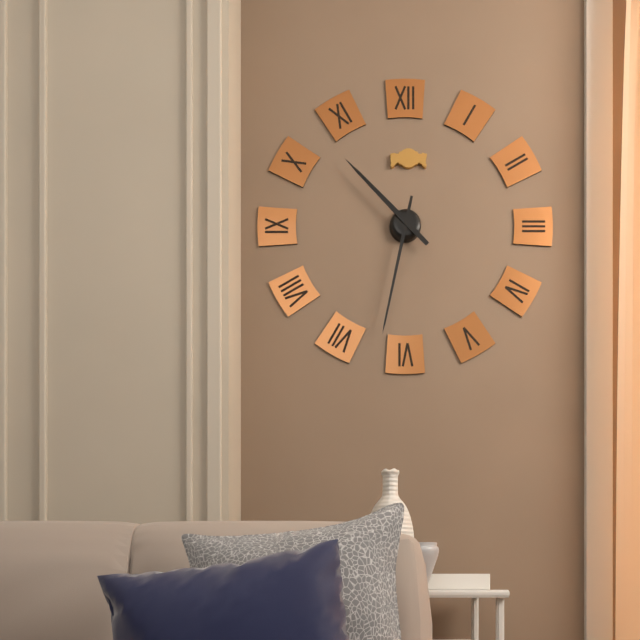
**10:32**
